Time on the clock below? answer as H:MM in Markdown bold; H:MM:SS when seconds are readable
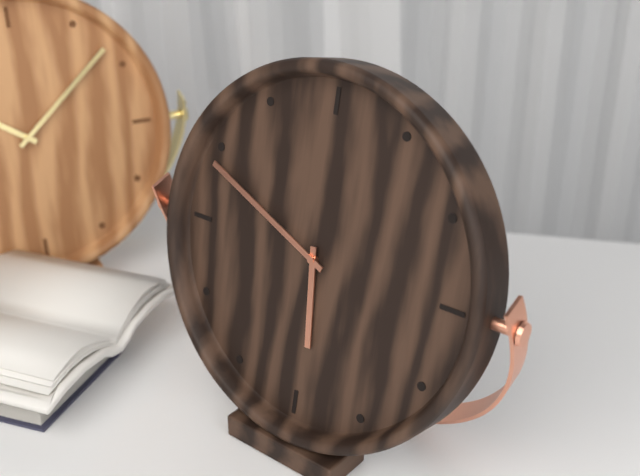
**5:49**
